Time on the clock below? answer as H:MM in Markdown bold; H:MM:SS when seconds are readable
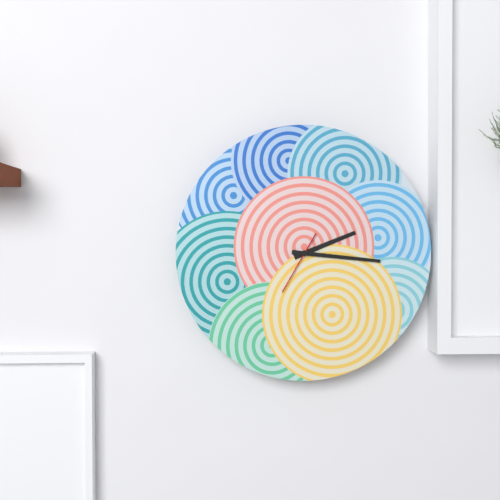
**2:16:35**
